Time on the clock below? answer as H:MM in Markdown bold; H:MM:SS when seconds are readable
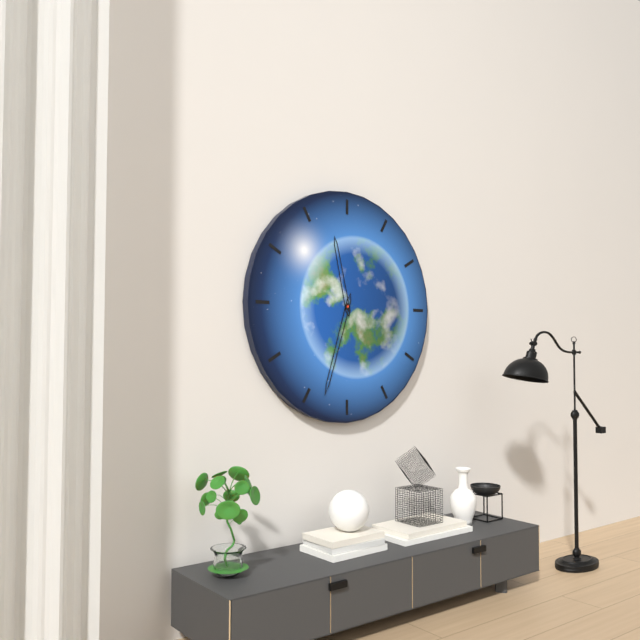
**11:33**
